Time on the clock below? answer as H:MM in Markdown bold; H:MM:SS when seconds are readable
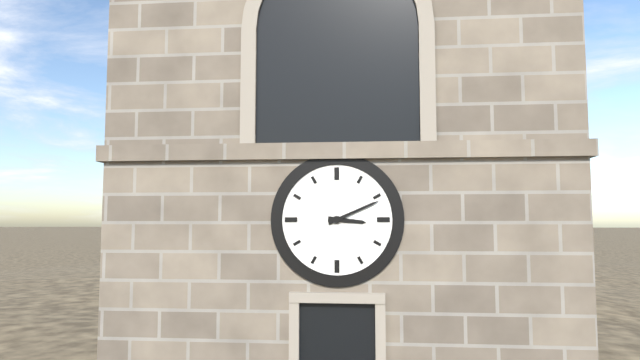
**3:11**
